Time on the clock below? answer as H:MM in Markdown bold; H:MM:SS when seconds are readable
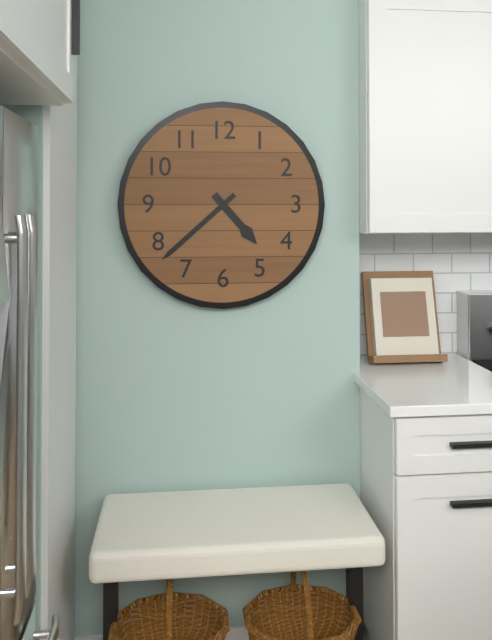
**4:38**
